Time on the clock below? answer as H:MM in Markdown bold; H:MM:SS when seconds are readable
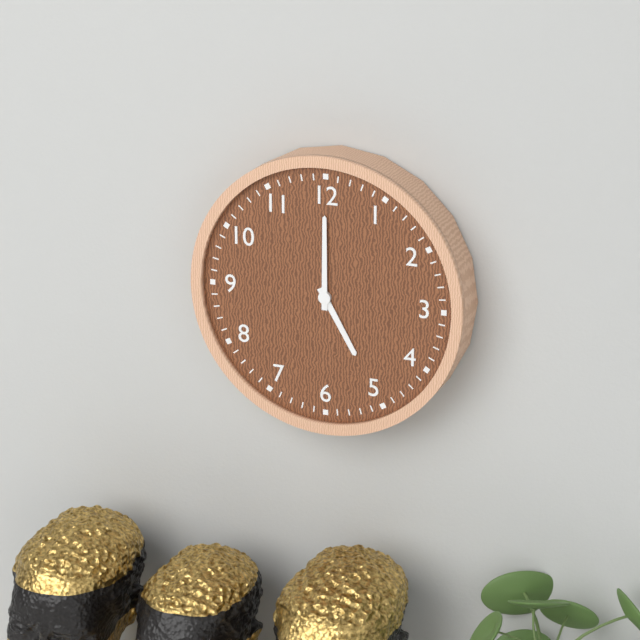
**5:00**
